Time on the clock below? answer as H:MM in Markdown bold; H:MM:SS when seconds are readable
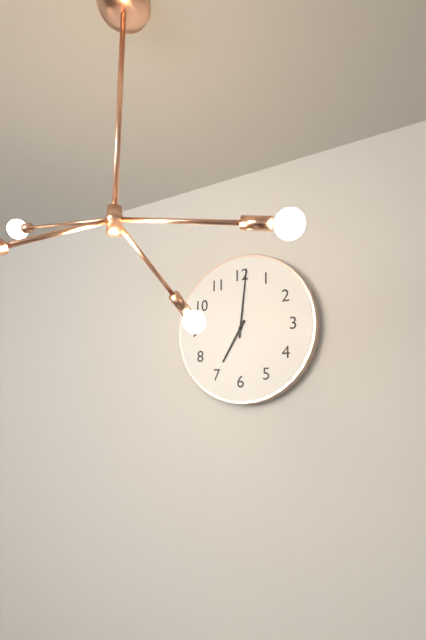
**7:01**
